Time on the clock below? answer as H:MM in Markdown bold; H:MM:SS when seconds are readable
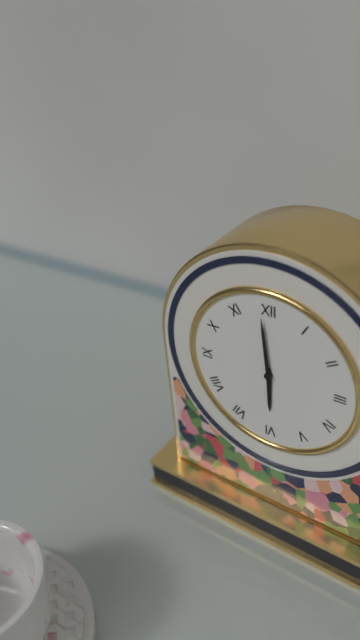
**5:59**
